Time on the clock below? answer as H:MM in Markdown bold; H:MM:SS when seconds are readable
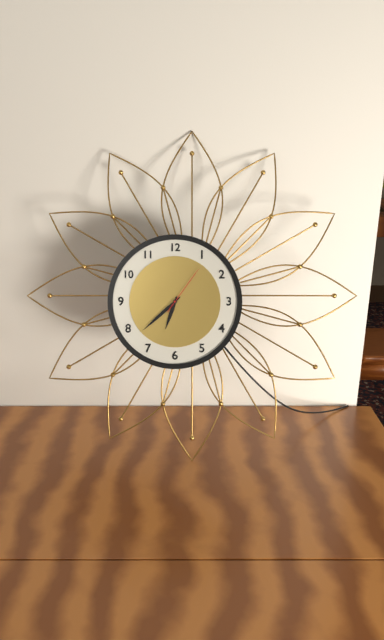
**6:38:06**
